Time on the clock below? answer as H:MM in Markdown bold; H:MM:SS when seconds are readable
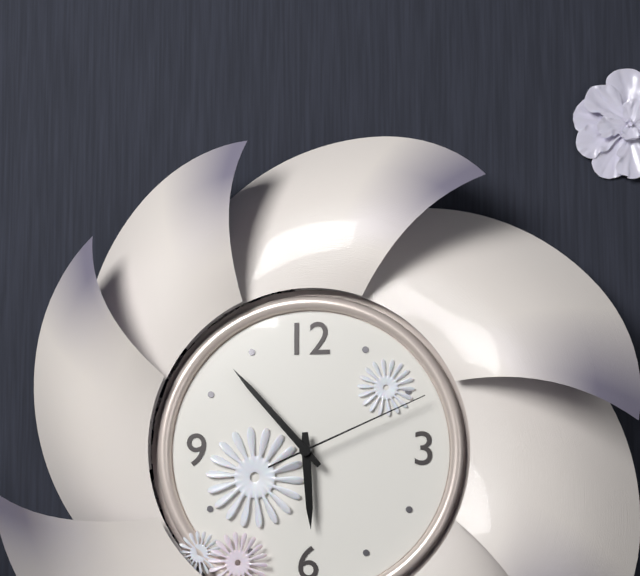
**5:53:11**
